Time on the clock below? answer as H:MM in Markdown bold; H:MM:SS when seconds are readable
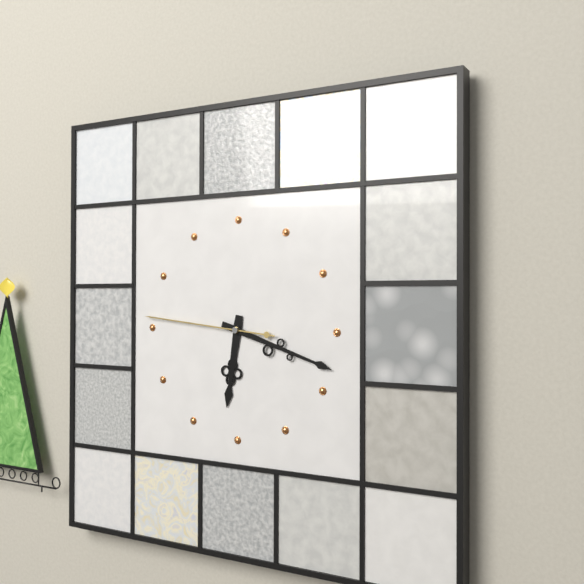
**6:18:46**
